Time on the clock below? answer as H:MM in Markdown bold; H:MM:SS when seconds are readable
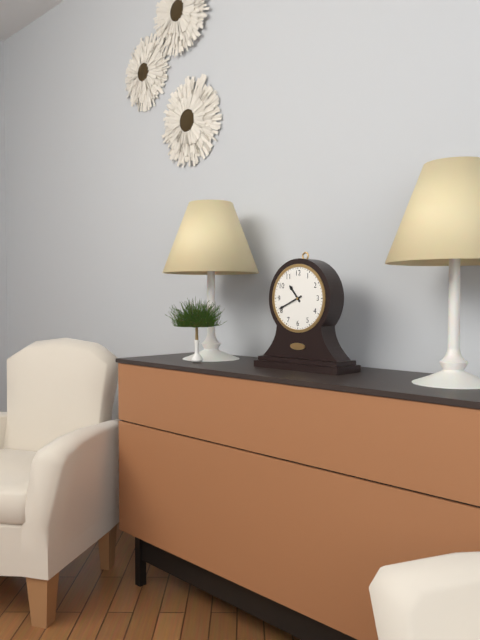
**10:41**
